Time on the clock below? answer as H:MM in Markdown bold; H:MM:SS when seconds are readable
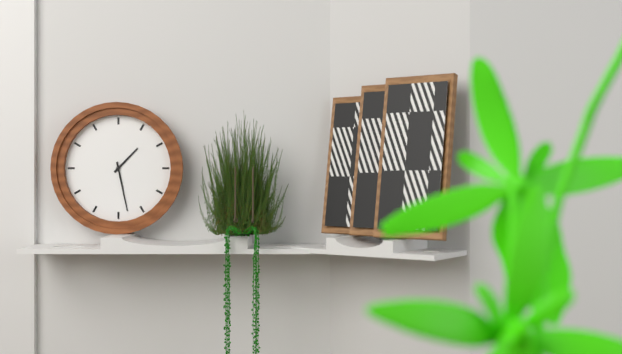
**1:28**
